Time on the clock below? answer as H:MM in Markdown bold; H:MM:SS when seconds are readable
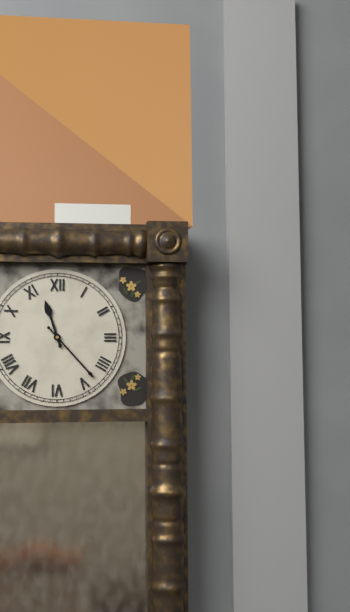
**11:23**
